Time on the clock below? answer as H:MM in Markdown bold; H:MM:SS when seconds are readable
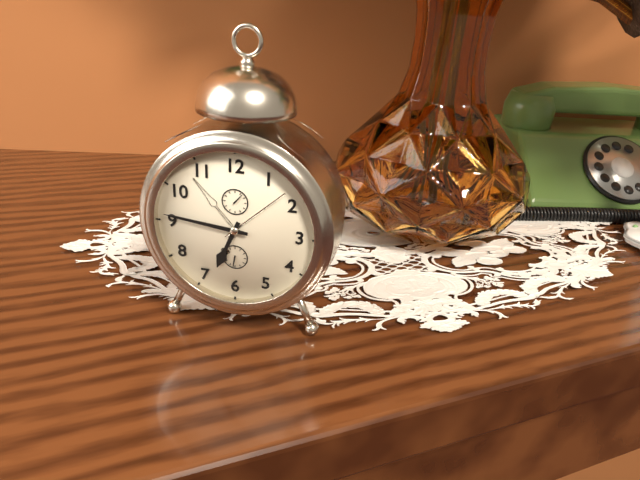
**6:46**
